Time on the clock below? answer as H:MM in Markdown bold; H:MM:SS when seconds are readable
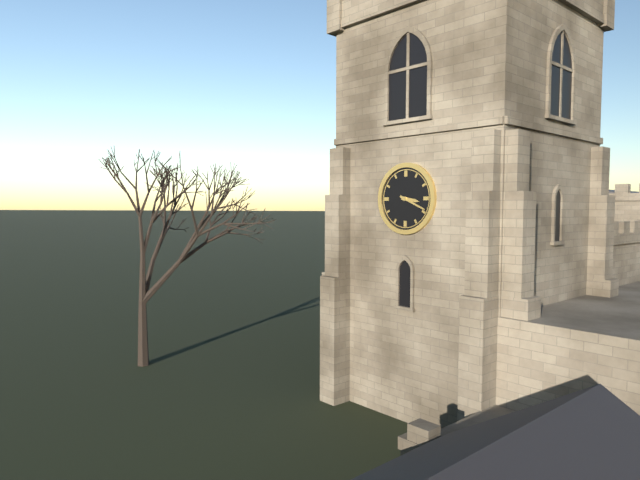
**3:19**
